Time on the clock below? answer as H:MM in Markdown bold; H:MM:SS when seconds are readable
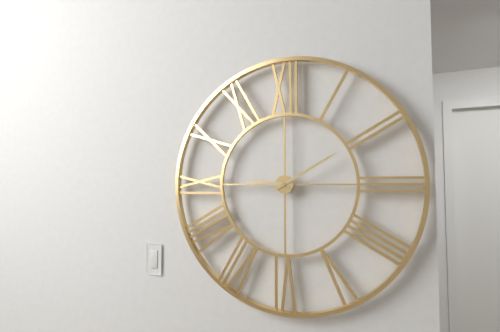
**9:10**
